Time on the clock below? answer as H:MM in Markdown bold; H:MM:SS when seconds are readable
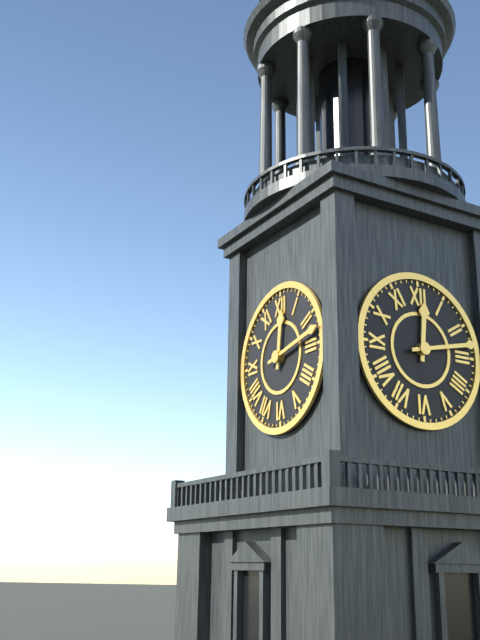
**12:13**
